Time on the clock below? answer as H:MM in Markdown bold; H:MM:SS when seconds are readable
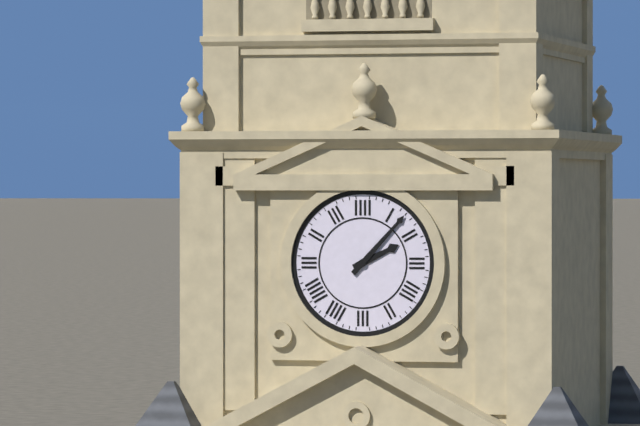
**2:07**
